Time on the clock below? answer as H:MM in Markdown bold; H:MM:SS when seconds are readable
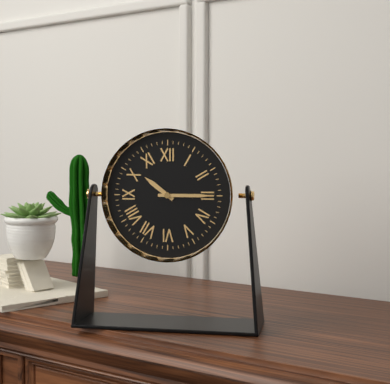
**10:15**
